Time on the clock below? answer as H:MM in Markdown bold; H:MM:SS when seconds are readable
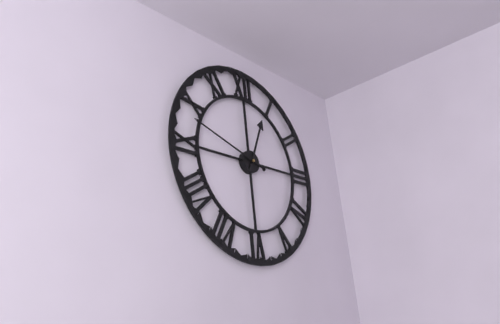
**12:48**
